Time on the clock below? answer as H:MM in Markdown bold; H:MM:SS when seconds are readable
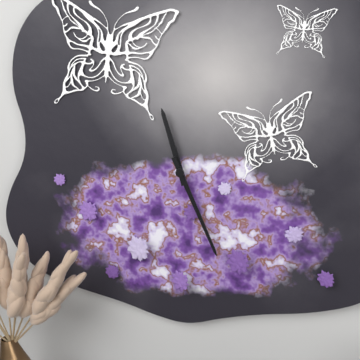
**11:26**
